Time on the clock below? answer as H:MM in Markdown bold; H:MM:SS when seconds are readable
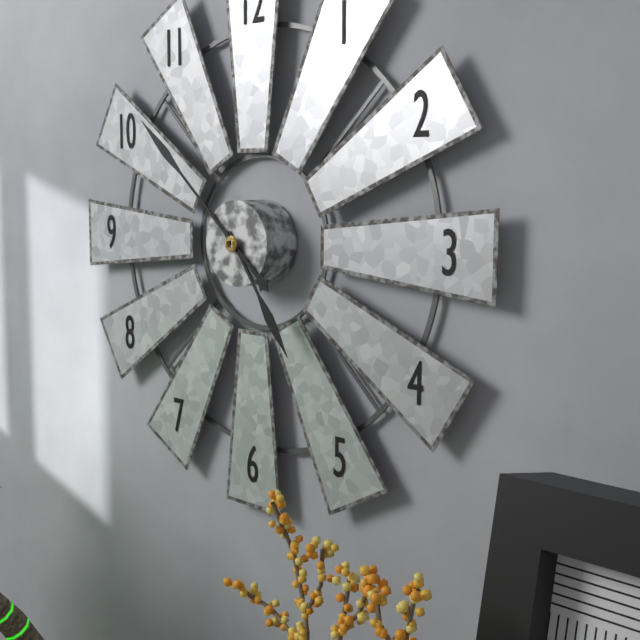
**4:52**
